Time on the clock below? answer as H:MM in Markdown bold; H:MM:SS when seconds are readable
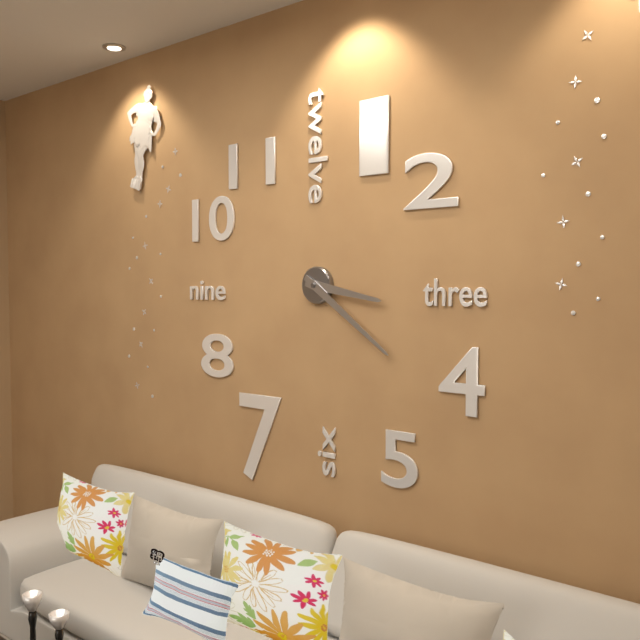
**3:21**
